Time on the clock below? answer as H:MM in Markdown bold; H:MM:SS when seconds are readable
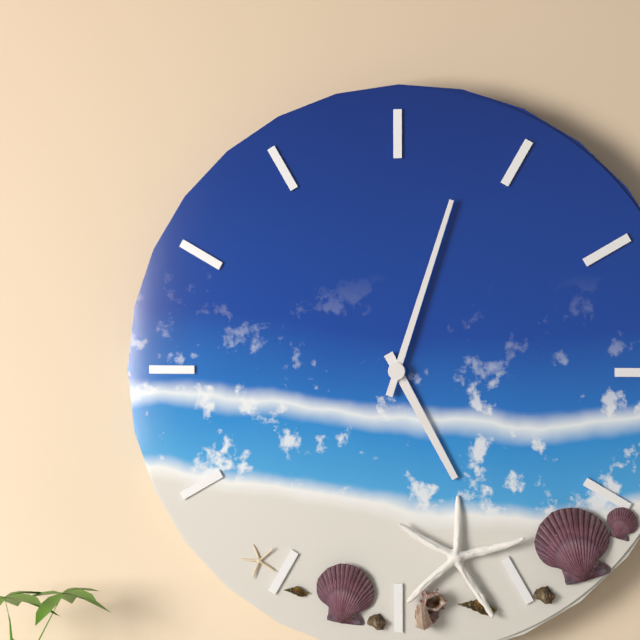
**5:03**
